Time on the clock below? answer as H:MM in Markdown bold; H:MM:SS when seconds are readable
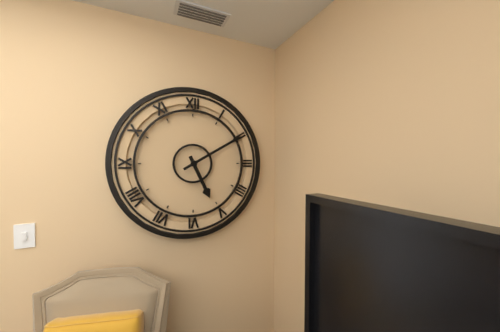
**5:10**
